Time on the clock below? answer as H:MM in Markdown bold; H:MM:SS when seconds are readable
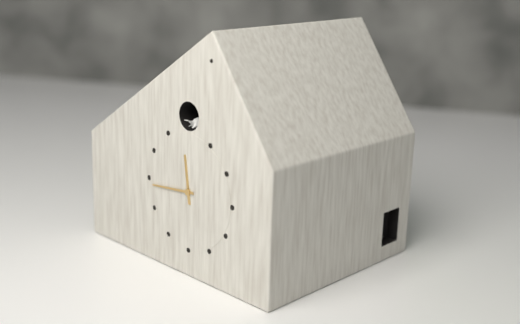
**11:44**
